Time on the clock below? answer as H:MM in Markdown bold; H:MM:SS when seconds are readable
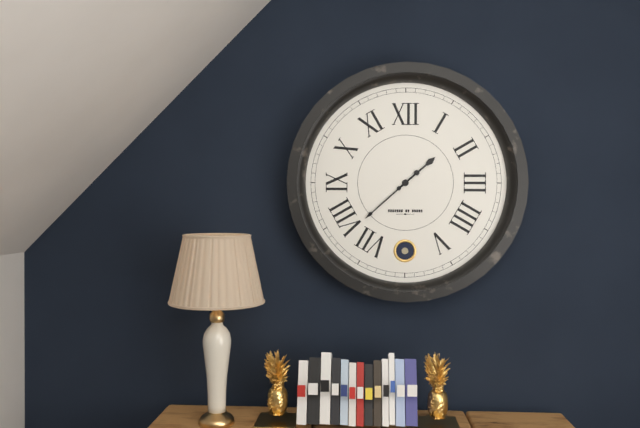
**1:38**
